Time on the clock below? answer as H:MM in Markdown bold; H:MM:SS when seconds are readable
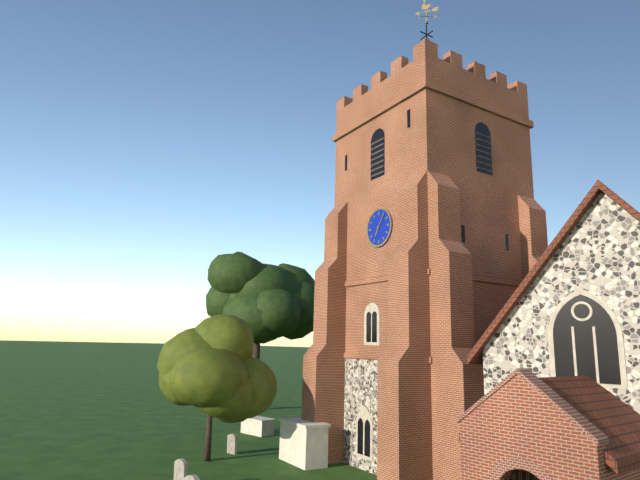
**7:06**
